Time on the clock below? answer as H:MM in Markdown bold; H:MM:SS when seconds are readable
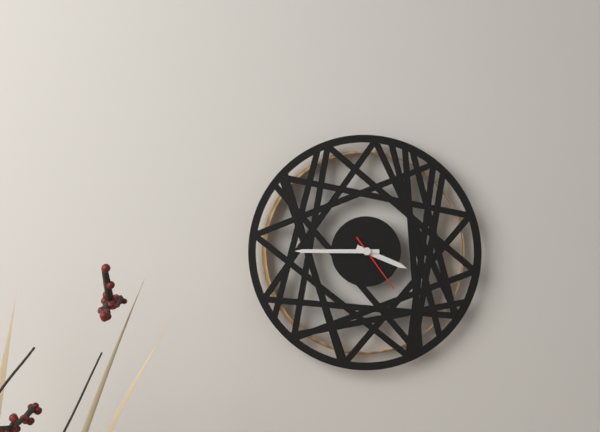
**3:45:24**
